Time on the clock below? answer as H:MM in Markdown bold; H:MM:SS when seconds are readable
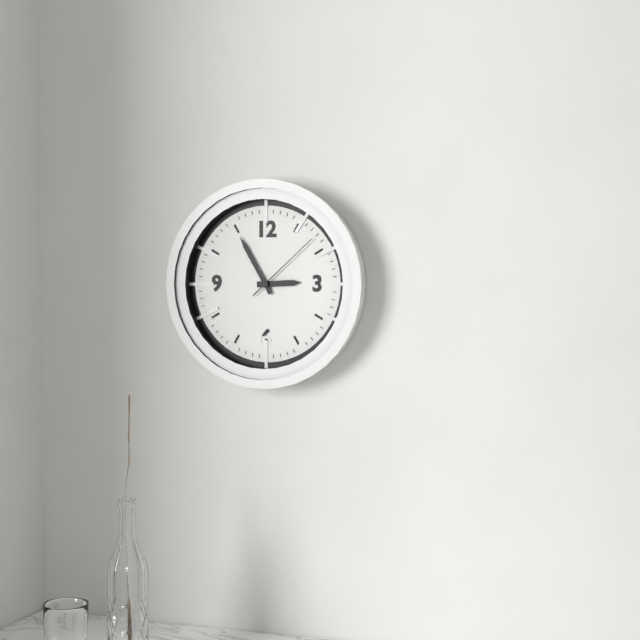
**2:55:08**
